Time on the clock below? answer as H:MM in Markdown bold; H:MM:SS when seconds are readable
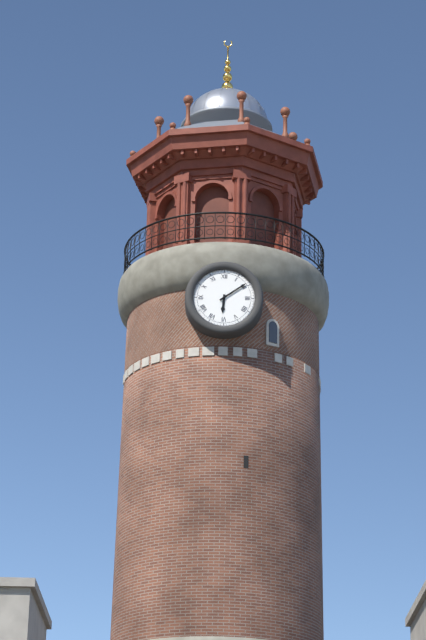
**6:09**
